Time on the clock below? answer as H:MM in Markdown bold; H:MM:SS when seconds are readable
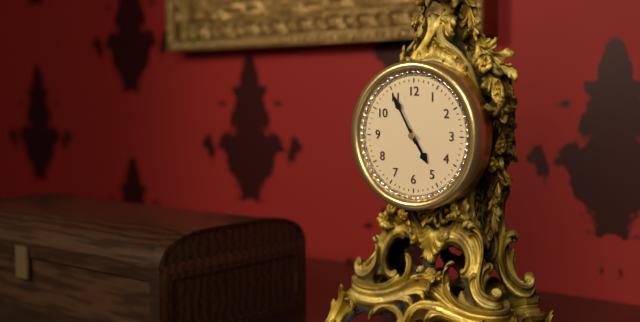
**4:55**
